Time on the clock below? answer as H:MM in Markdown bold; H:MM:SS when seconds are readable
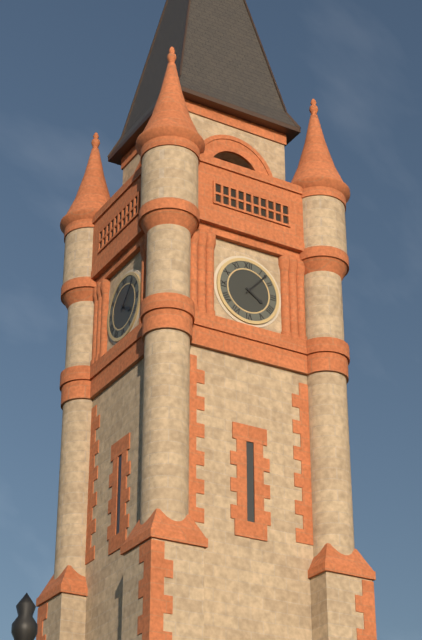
**4:07**
